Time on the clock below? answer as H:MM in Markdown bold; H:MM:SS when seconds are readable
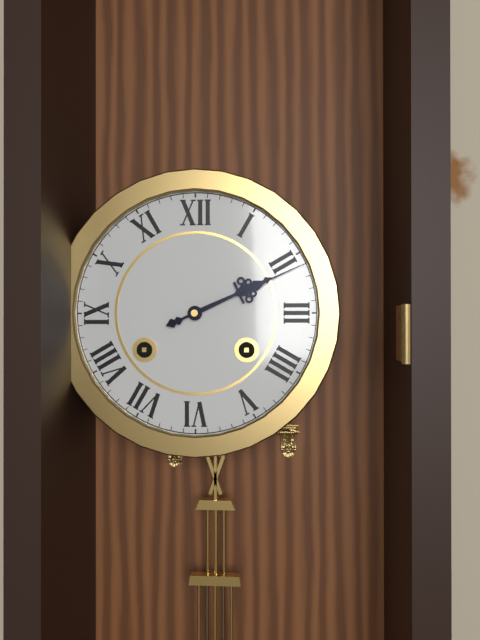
**2:11**
